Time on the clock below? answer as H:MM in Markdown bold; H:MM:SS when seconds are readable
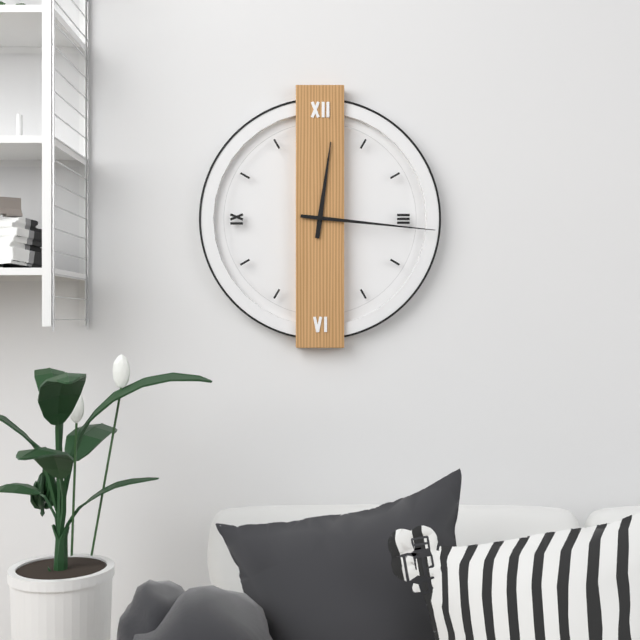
**12:16**
